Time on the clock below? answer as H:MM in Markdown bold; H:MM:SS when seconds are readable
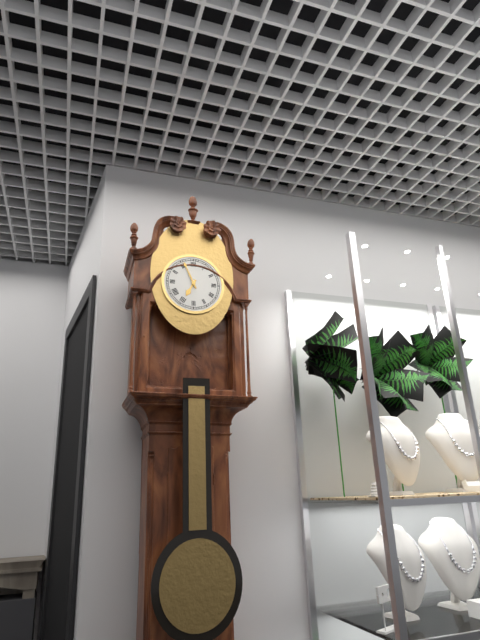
**6:56**
